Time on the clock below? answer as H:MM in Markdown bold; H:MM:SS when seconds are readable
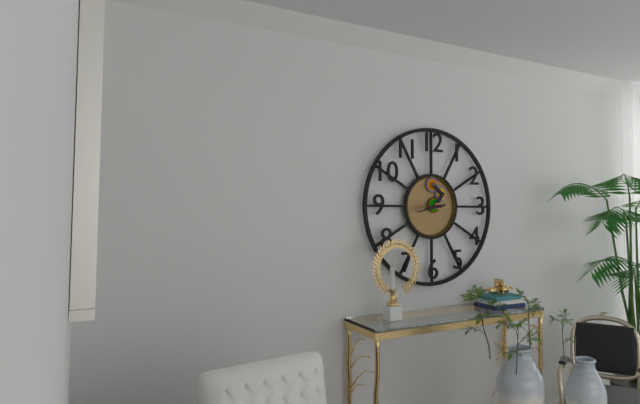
**8:43**
